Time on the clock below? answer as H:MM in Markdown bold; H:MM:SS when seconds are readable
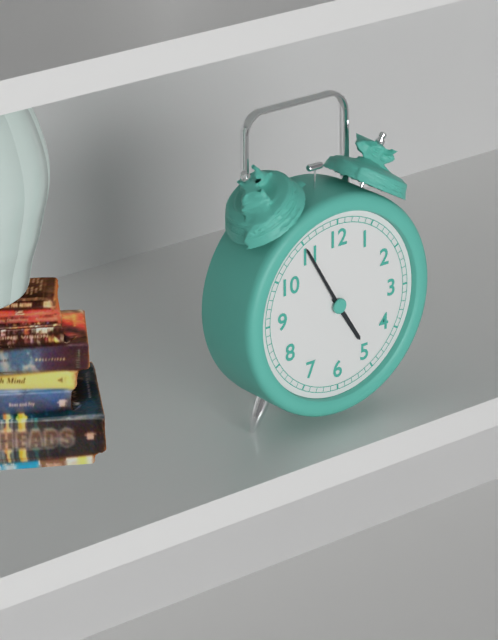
**4:55**
